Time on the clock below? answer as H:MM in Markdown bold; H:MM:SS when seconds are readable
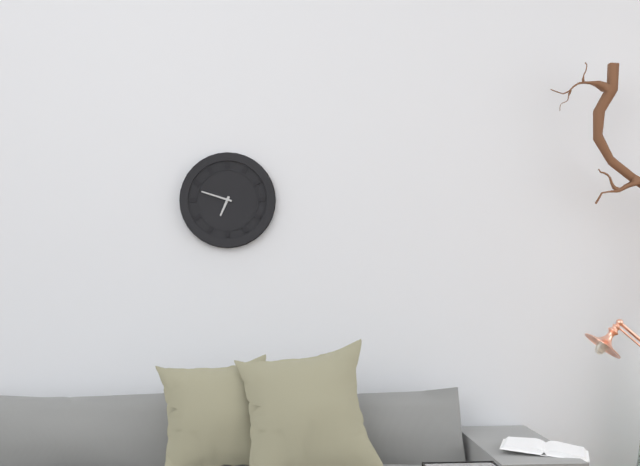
**6:48**
